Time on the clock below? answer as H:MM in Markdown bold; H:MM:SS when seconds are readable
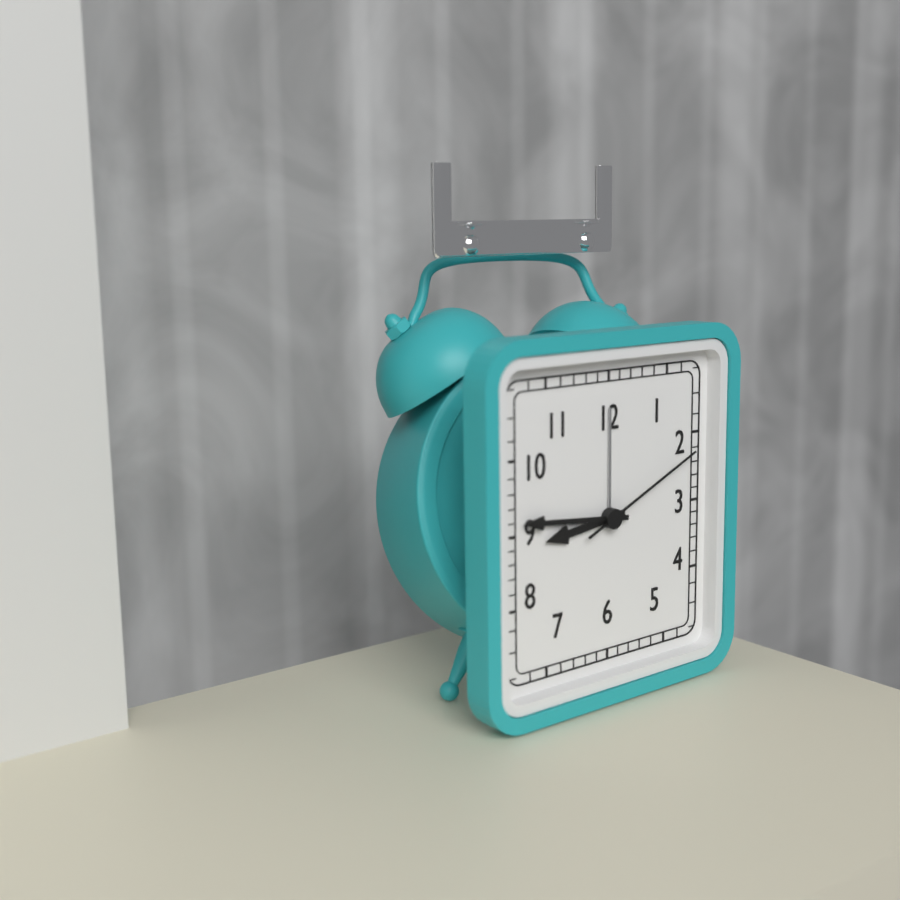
**8:46:11**
